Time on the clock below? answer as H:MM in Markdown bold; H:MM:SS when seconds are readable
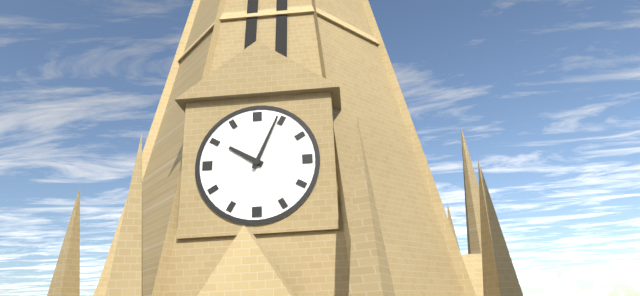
**10:04**
